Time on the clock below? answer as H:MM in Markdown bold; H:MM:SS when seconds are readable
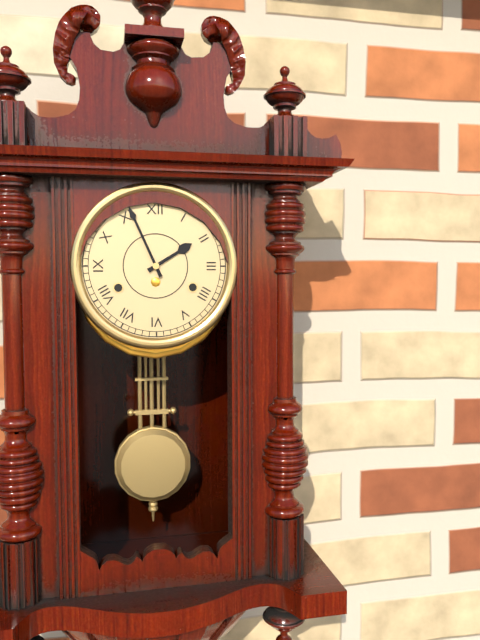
**1:56**
